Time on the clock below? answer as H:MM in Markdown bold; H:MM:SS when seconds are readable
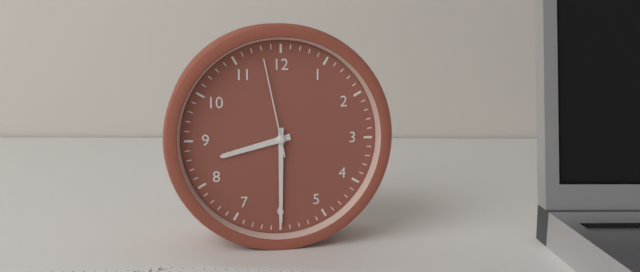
**8:30:58**
